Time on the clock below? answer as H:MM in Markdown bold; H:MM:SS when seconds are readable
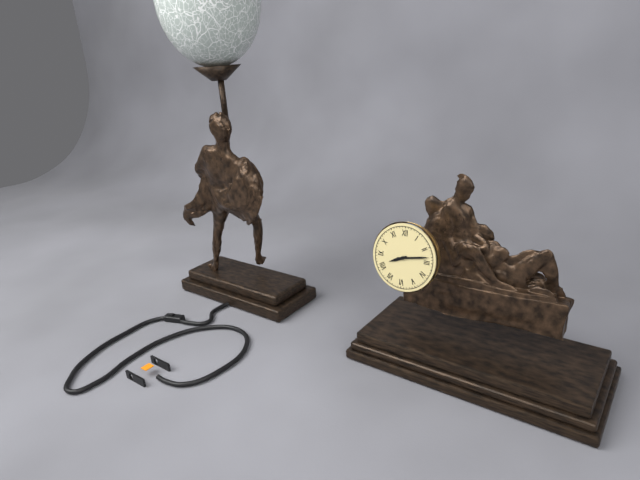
**8:13**
